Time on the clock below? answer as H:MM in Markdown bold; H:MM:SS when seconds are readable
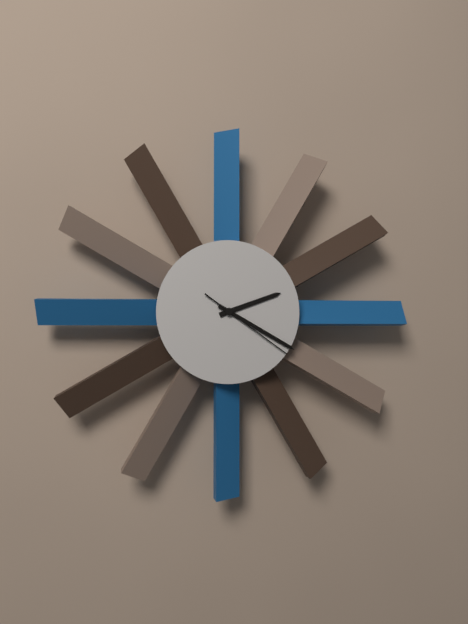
**2:20:21**
